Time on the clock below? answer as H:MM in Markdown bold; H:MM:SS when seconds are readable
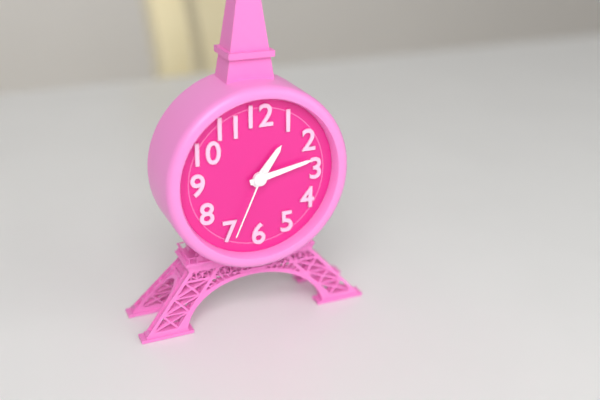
**1:13:34**
